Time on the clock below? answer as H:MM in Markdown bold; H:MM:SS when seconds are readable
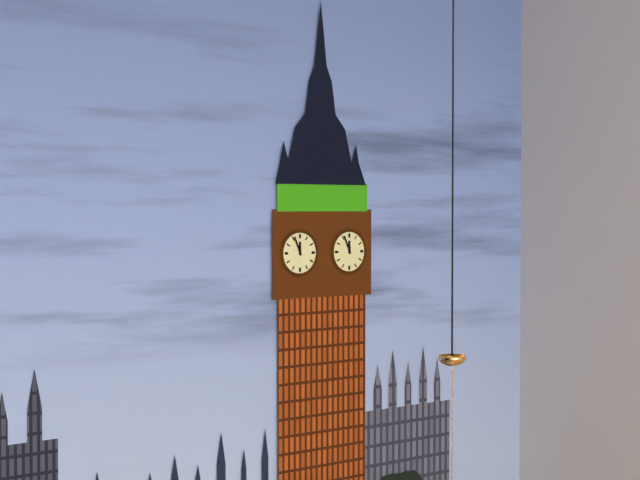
**11:56**
